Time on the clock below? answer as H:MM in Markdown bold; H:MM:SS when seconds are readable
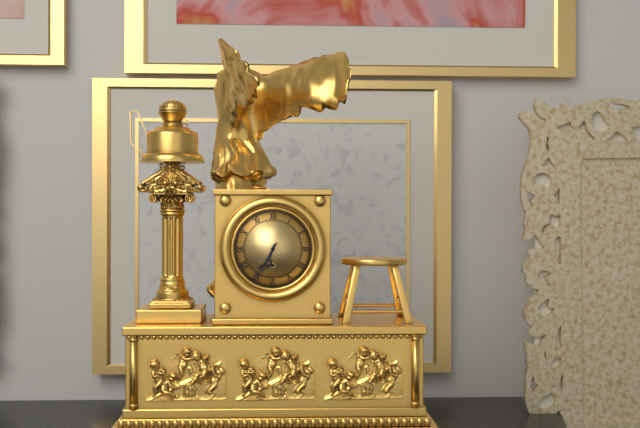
**6:35**
